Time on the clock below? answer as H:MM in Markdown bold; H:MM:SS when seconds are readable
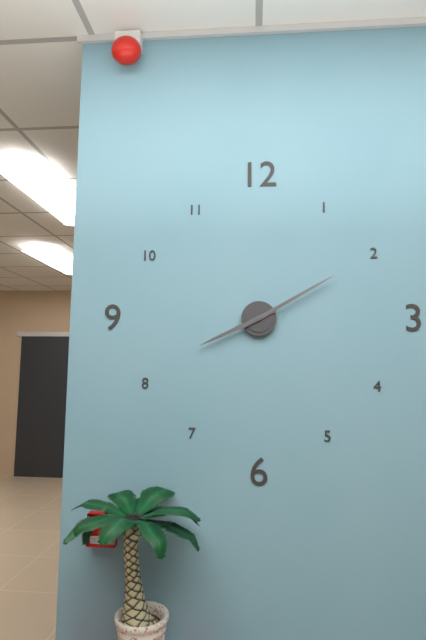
**8:10**
